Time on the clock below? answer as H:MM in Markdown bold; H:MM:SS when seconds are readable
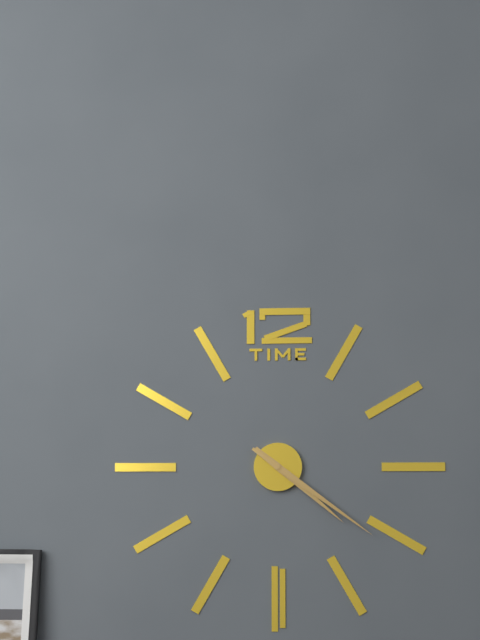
**4:21**
